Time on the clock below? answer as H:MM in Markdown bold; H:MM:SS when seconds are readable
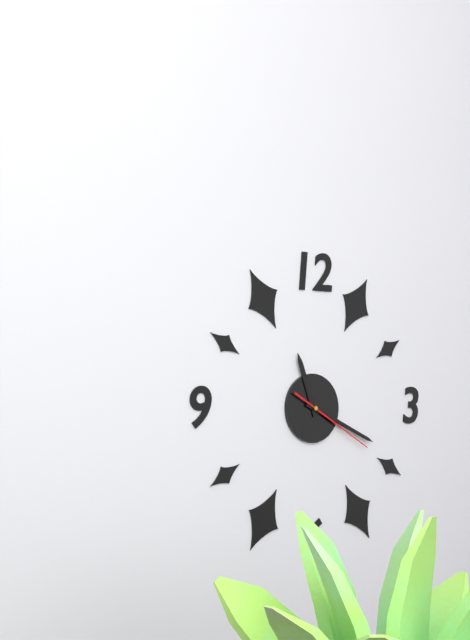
**11:19:20**
